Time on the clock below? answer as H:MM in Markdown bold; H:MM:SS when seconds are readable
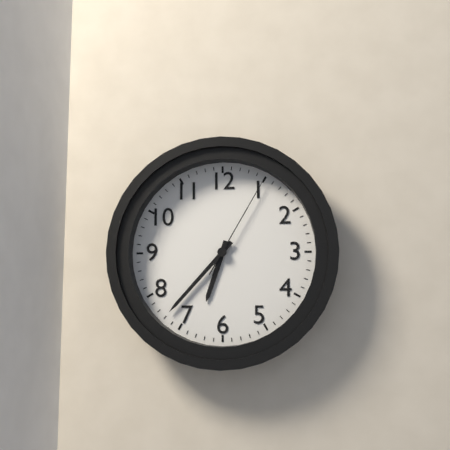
**6:37:05**
